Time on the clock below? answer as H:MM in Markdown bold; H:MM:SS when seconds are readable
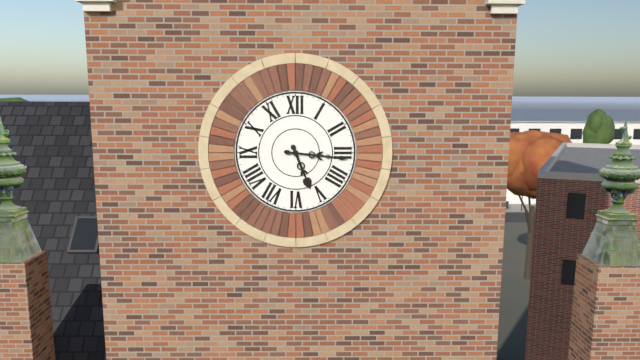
**5:16**
